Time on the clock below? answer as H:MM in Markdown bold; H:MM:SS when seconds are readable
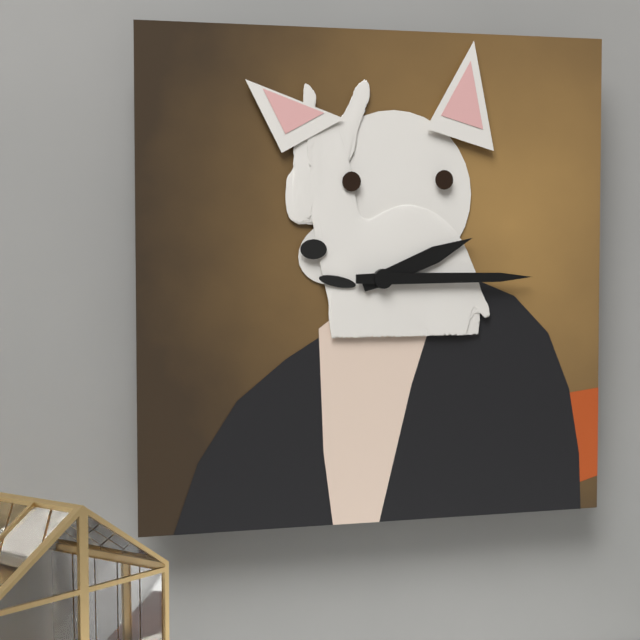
**2:15**
